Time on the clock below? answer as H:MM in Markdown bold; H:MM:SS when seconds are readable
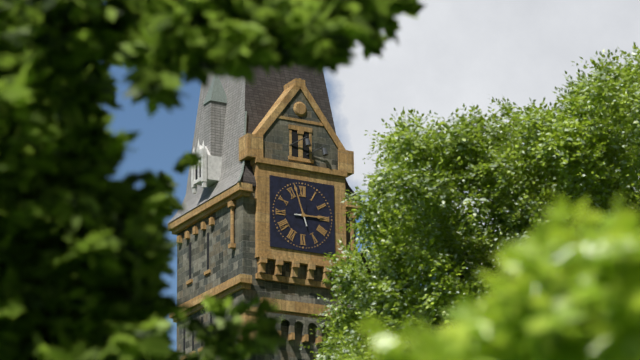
**2:57**
